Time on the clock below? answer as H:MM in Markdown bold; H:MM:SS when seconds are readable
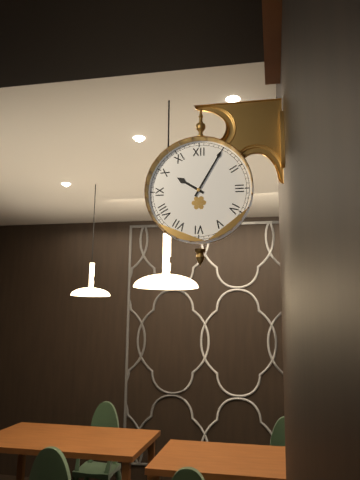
**10:05**
